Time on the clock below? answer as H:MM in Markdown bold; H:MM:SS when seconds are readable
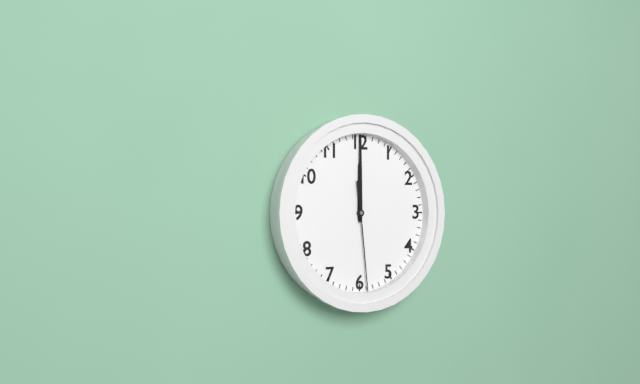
**12:00:29**
